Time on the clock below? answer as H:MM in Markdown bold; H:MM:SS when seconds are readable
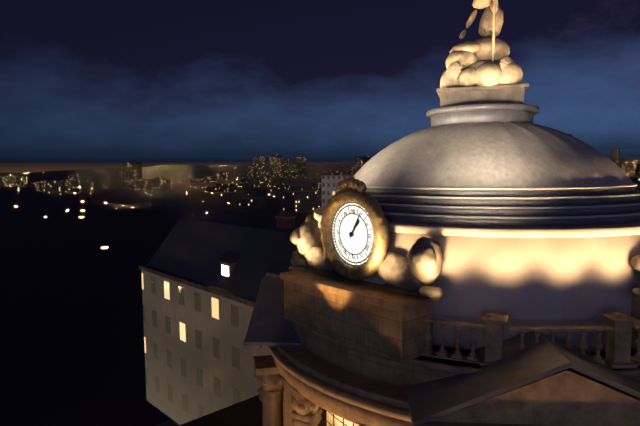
**1:05**
